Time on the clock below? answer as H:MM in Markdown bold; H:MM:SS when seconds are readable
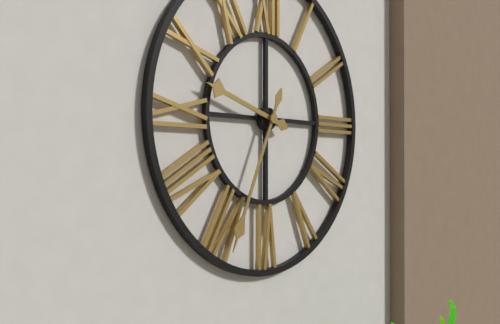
**9:34**
